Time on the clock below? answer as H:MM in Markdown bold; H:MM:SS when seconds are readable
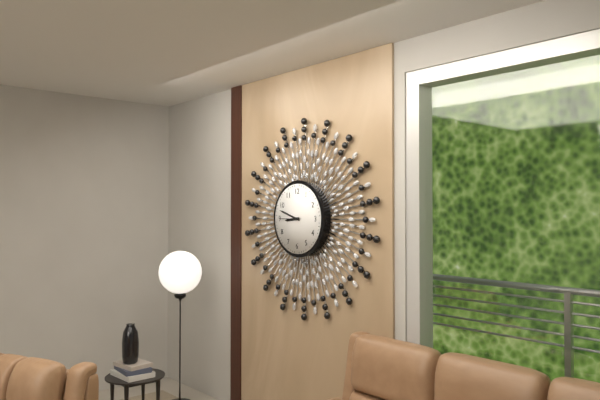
**8:48**
